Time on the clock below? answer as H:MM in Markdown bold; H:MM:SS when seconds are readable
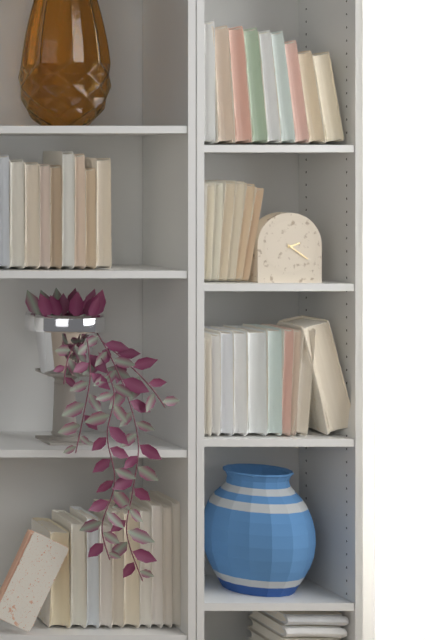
**2:21**
